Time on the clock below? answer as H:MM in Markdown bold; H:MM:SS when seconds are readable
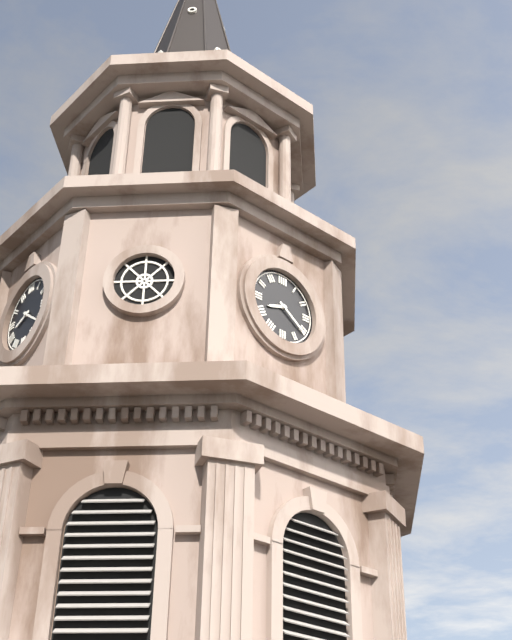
**8:21**
